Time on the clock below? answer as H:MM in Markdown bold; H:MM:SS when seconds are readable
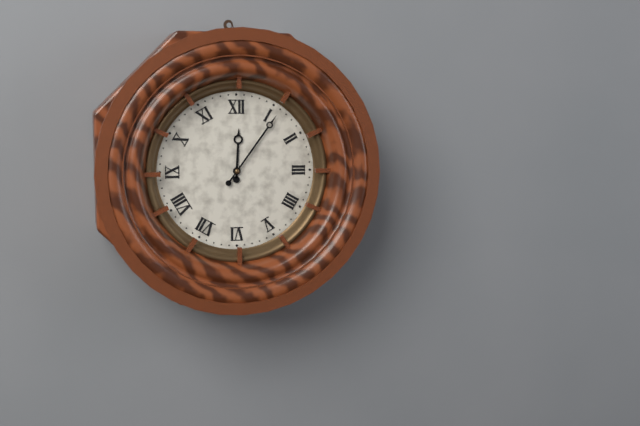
**12:06**
